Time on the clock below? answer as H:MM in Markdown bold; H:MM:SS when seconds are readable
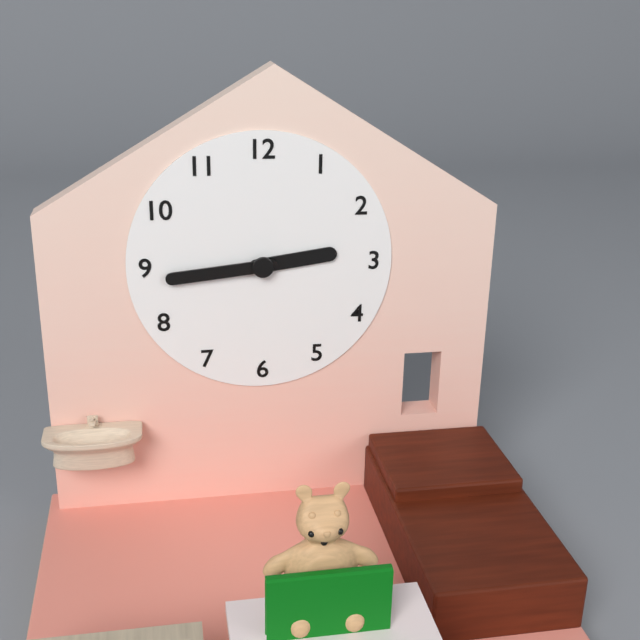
**2:44**
